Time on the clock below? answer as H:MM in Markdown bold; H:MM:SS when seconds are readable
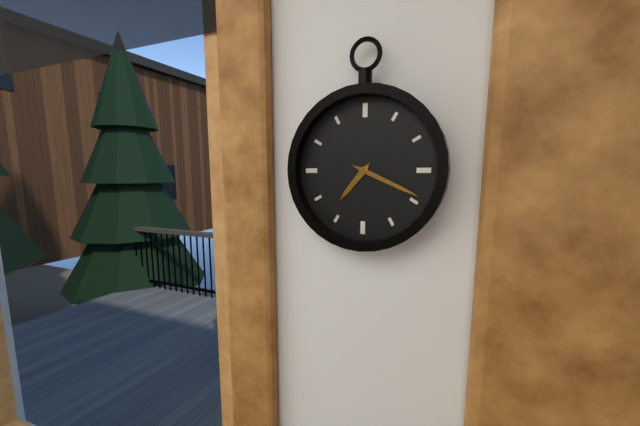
**7:19**
